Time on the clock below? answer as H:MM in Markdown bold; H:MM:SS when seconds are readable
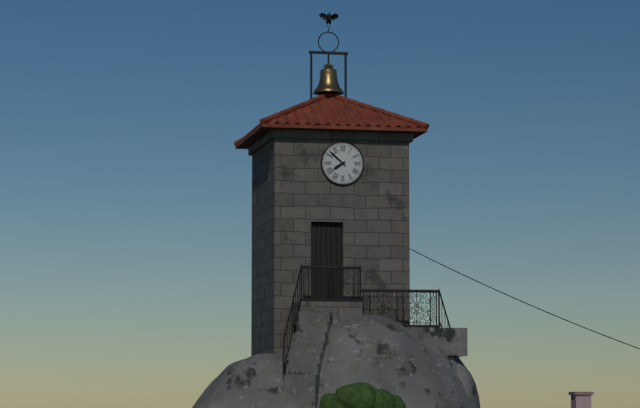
**7:52**
